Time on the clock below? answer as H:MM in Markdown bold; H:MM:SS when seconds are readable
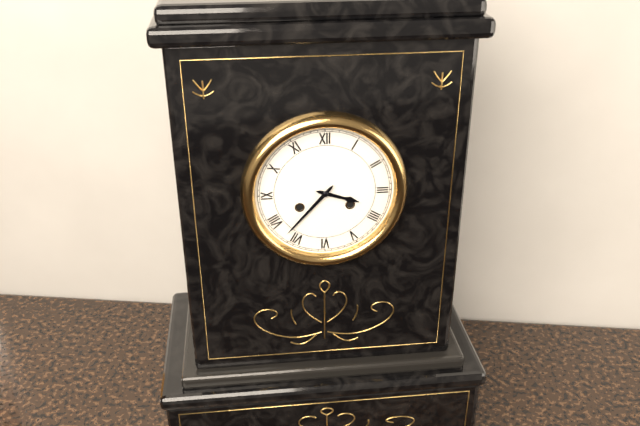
**3:37**
